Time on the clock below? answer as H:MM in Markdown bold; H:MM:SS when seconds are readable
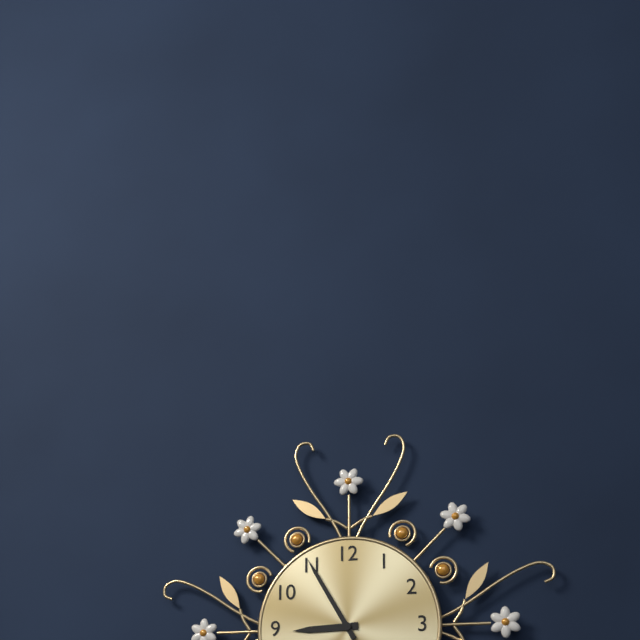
**8:55**
